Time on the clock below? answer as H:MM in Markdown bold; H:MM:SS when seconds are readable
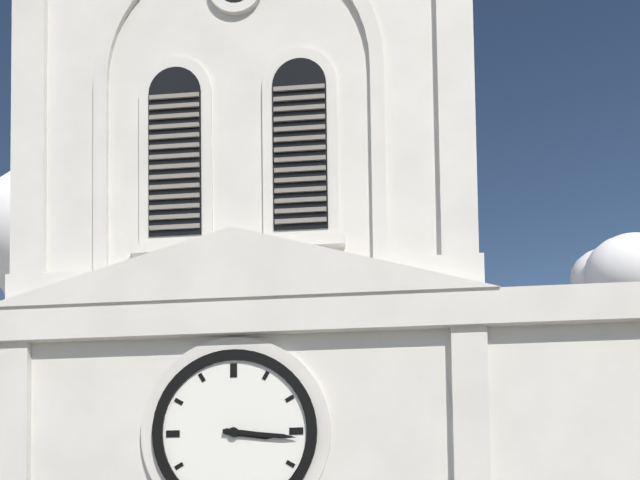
**3:16**
